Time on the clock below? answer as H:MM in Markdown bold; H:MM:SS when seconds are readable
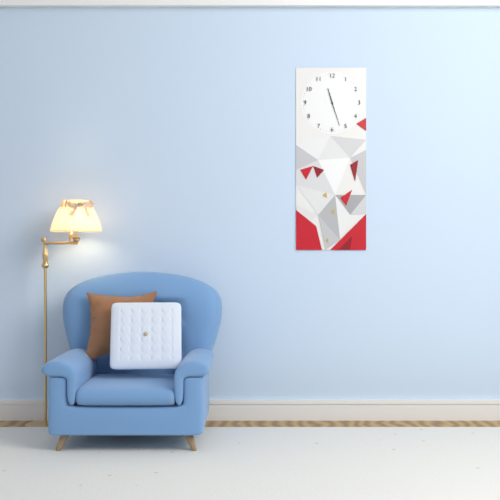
**11:27**
